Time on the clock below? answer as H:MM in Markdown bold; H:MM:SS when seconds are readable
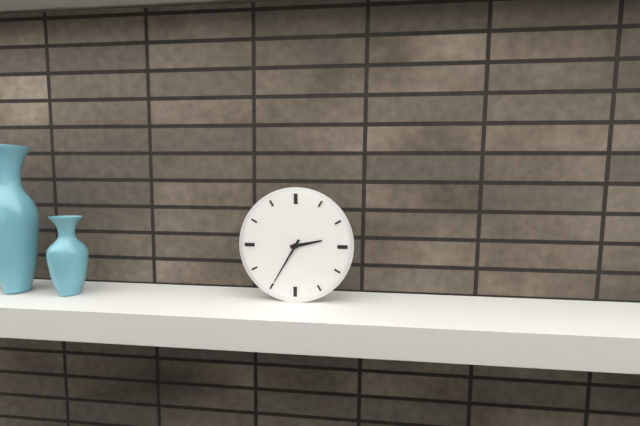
**2:35**
